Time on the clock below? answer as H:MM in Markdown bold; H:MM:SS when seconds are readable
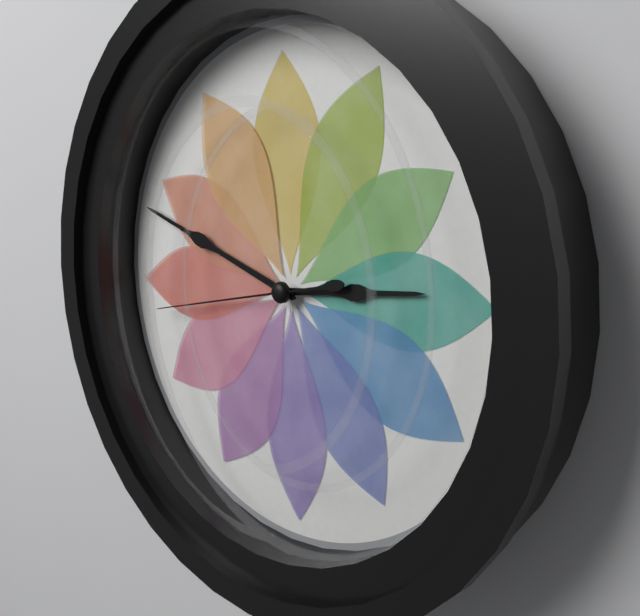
**2:48:43**
